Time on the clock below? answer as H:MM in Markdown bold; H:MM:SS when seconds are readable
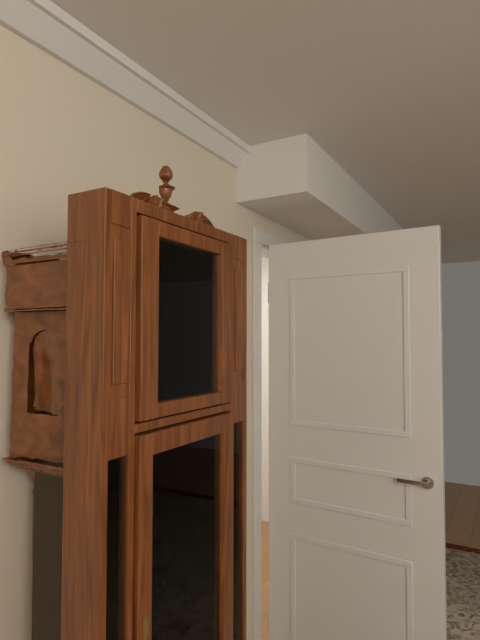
**9:06**
